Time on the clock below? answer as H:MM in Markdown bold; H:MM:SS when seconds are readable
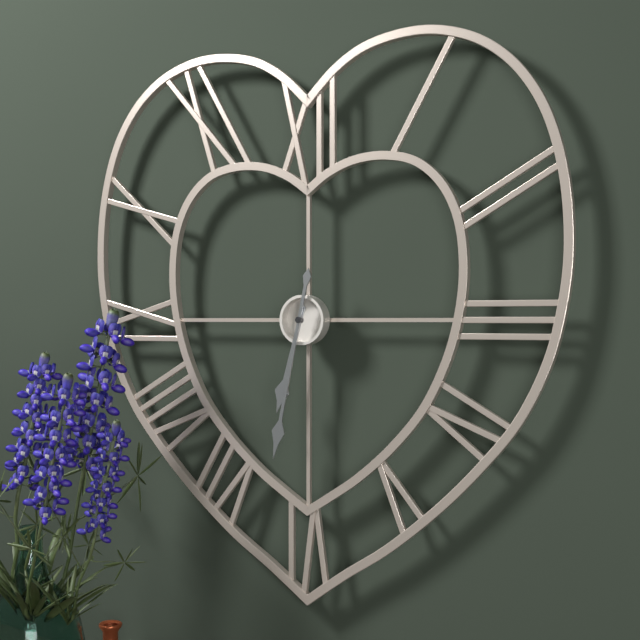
**6:32**
